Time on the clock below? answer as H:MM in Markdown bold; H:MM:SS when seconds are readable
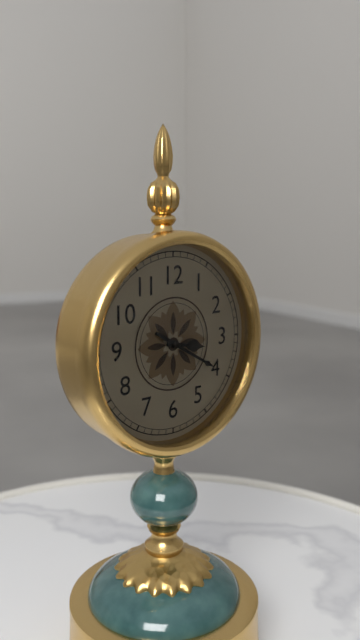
**3:20**
